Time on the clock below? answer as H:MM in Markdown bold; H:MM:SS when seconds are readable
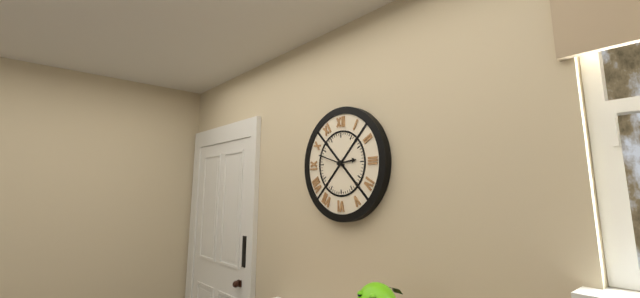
**2:48**
